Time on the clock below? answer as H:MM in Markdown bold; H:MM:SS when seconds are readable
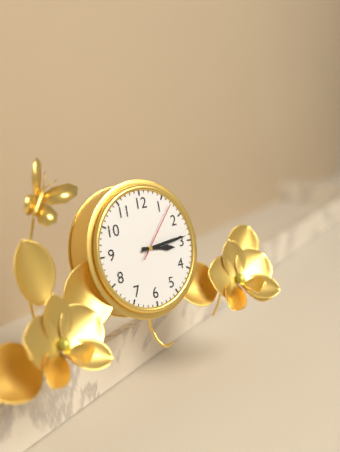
**3:14:07**
